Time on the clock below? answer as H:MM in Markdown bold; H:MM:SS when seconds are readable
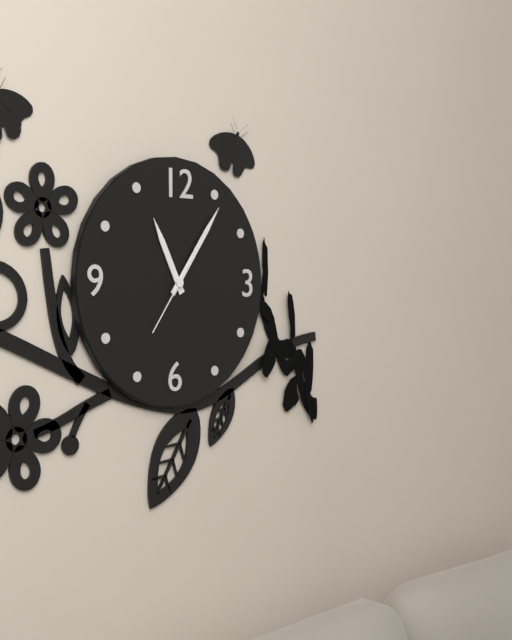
**11:06:36**
